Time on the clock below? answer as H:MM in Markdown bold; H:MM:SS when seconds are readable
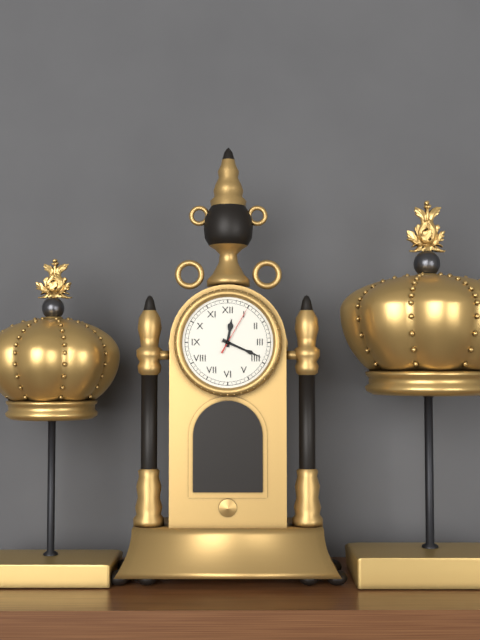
**12:19**
